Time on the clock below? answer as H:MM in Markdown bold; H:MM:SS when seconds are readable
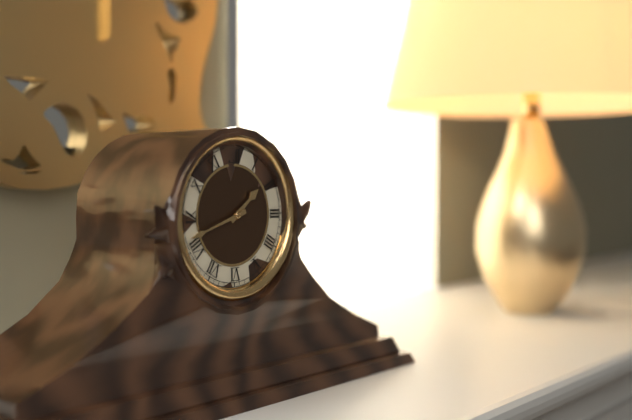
**1:42**
